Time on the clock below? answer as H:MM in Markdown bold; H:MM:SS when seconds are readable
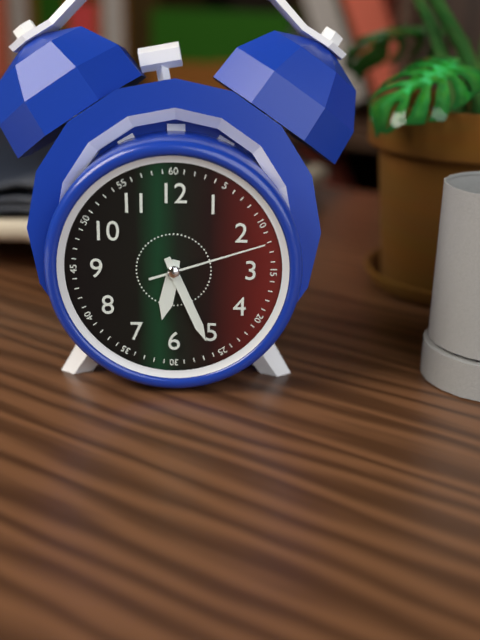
**6:26:12**
